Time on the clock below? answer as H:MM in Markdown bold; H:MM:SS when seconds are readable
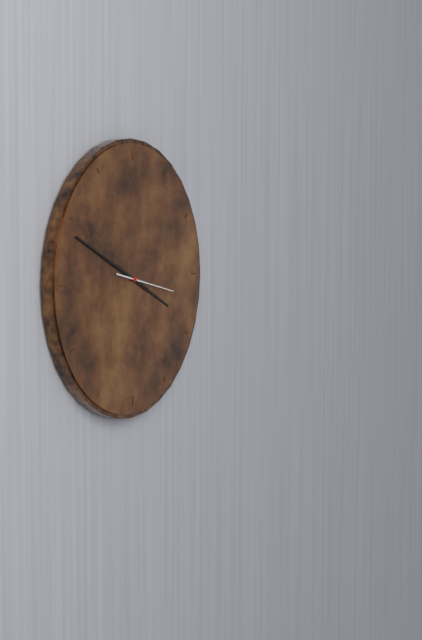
**3:49:17**
